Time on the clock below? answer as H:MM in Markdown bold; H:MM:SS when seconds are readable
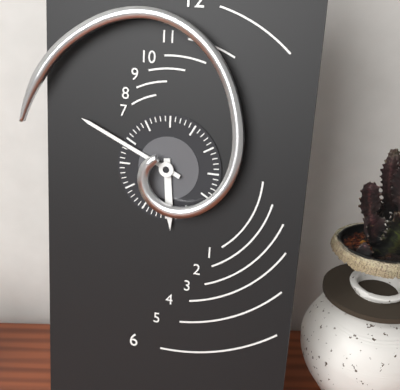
**5:49**
